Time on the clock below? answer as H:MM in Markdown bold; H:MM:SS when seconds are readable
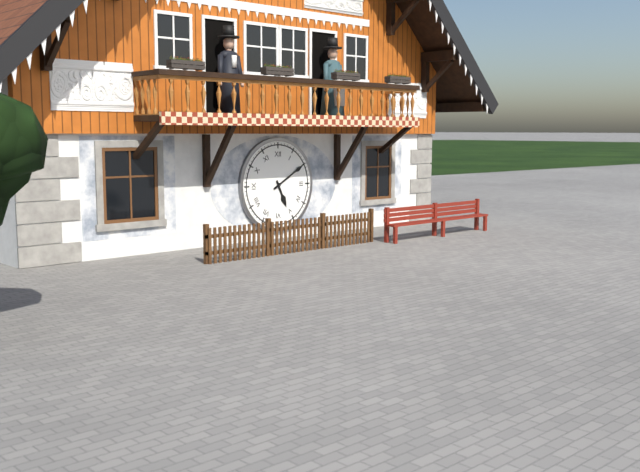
**5:10**
